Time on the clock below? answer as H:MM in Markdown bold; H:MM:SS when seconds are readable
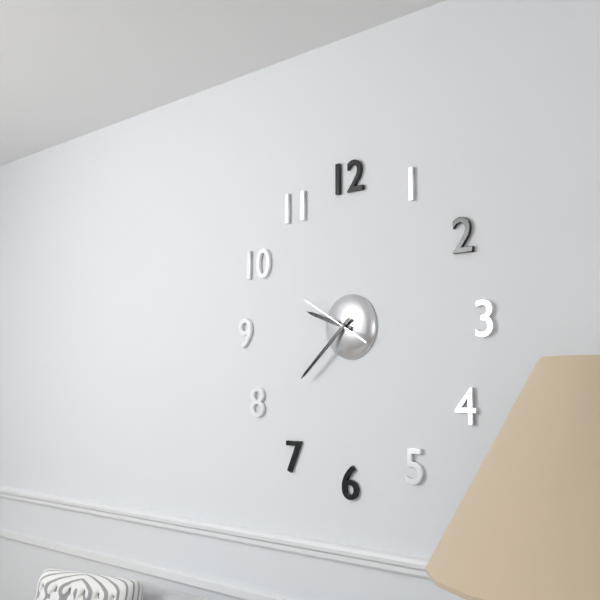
**9:38:50**
